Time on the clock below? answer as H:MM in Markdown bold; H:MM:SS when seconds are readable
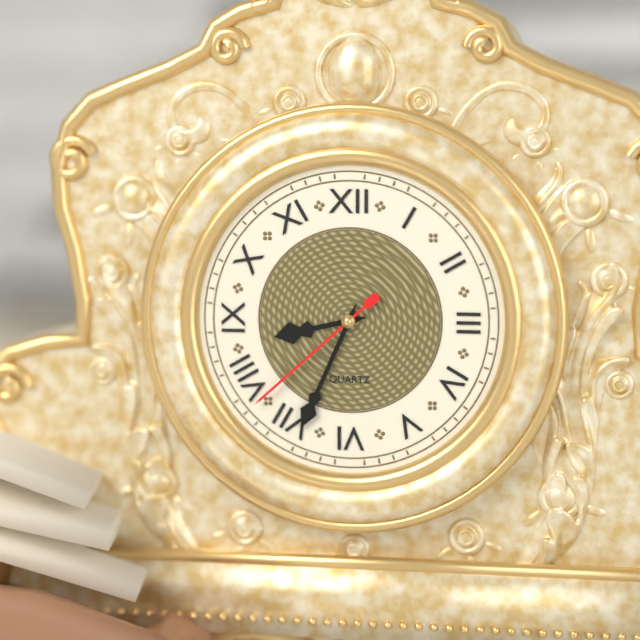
**8:34:38**
